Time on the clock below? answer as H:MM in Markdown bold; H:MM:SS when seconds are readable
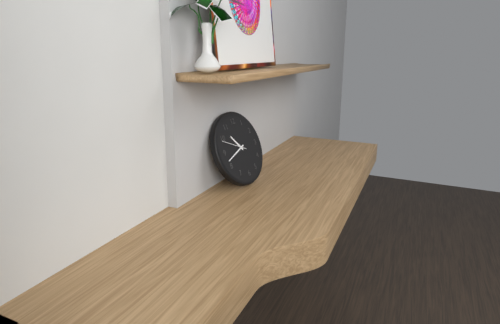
**10:42**
